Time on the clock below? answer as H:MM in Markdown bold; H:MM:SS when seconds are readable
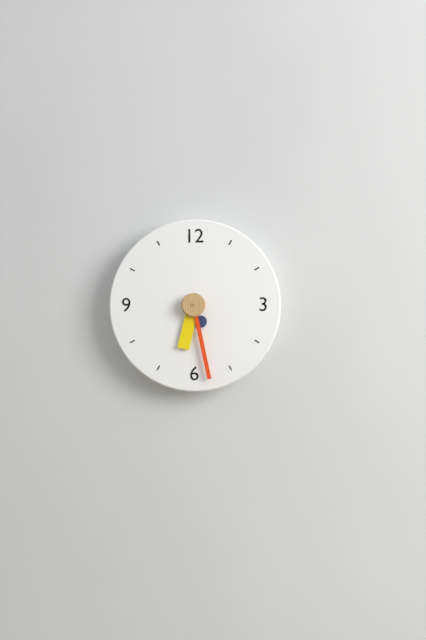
**6:28**
